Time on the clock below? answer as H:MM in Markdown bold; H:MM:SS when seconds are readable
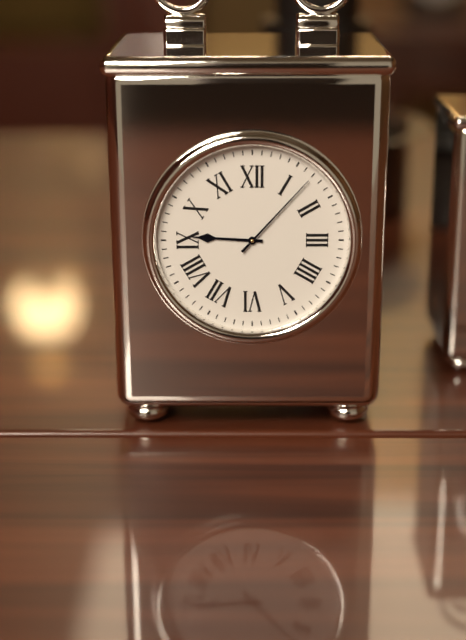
**9:07**
